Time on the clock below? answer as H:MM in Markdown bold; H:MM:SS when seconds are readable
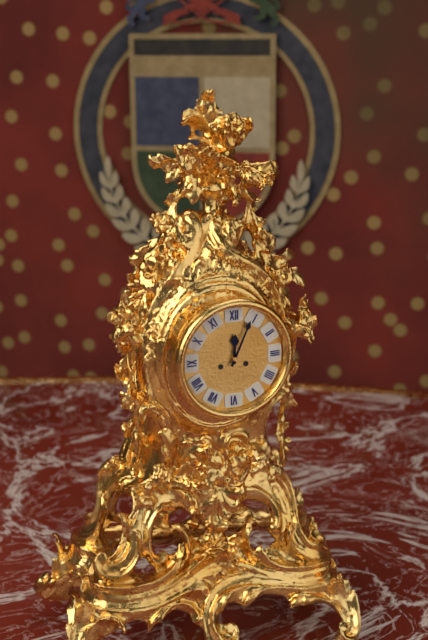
**12:04**
